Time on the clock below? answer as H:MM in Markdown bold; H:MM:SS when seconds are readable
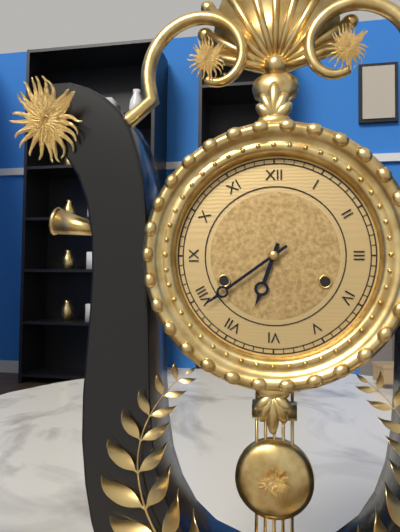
**6:39**
